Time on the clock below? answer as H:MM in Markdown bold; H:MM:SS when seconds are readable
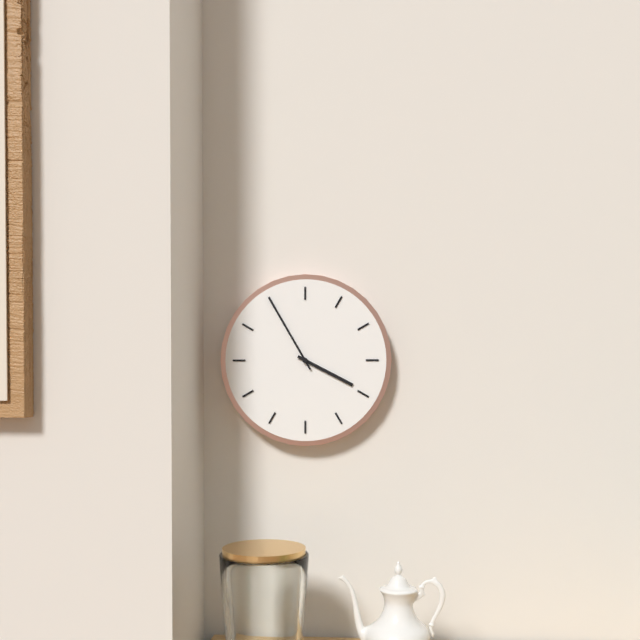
**3:55**
